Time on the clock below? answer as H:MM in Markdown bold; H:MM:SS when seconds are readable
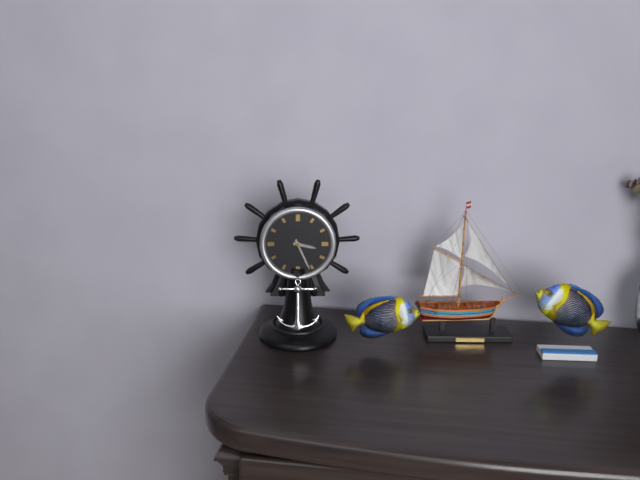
**3:26**
